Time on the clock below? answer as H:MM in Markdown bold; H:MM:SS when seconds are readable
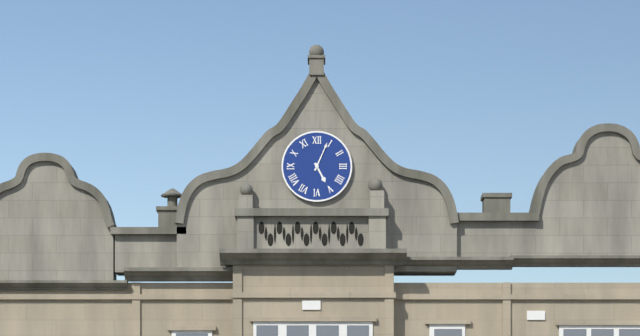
**5:04**
